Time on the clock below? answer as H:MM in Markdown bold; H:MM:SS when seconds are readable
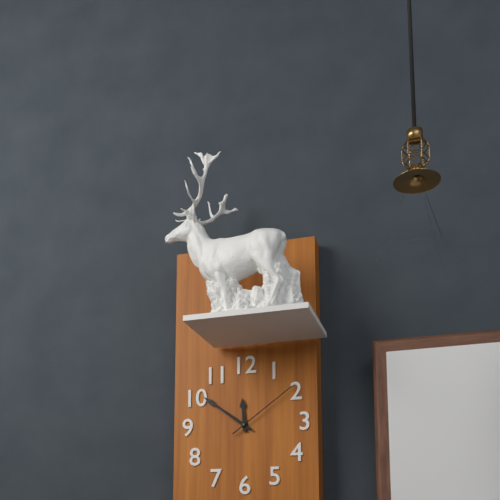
**11:51:09**
